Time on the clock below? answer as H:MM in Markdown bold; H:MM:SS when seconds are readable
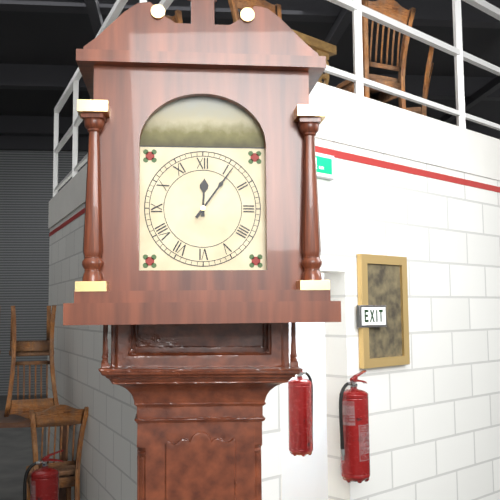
**12:06**
